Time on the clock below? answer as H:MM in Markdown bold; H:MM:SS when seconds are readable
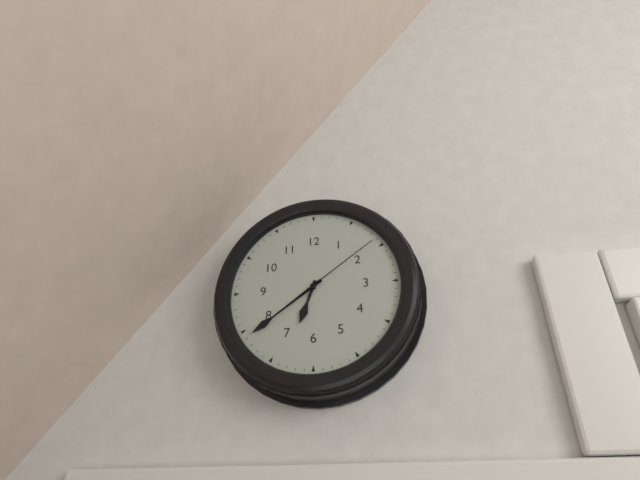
**6:39:09**
